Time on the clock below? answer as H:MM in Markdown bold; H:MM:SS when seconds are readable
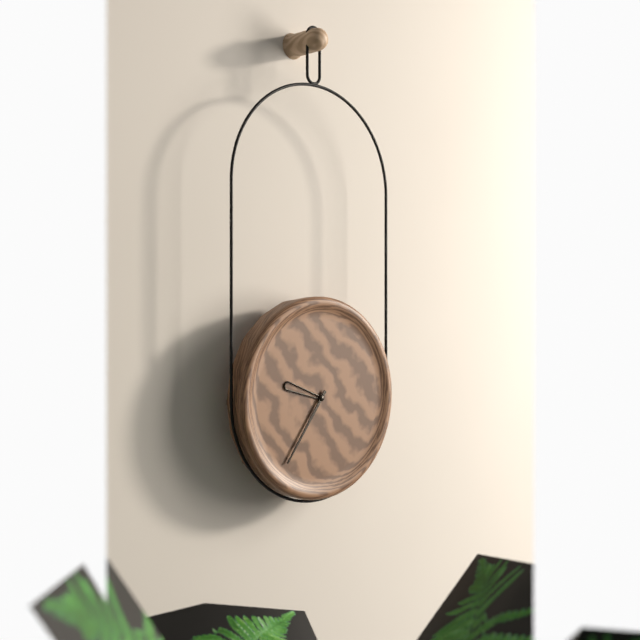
**9:36**
